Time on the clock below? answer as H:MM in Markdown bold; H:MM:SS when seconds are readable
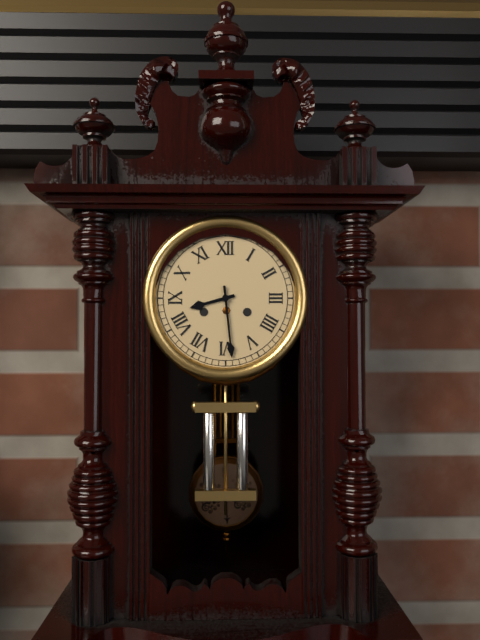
**8:29**
